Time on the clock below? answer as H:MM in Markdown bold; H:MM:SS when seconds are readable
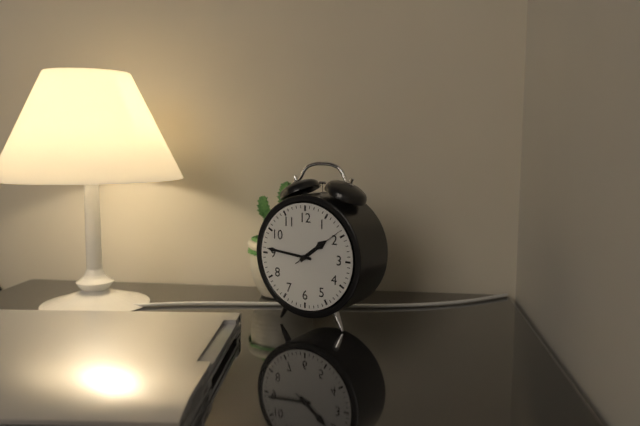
**1:46:09**
